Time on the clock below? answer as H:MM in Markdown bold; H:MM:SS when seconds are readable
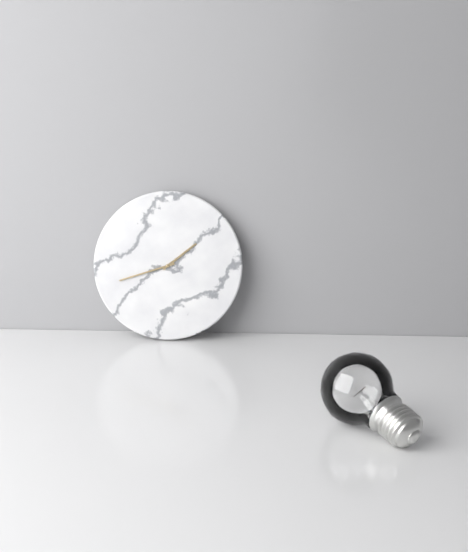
**1:42**
